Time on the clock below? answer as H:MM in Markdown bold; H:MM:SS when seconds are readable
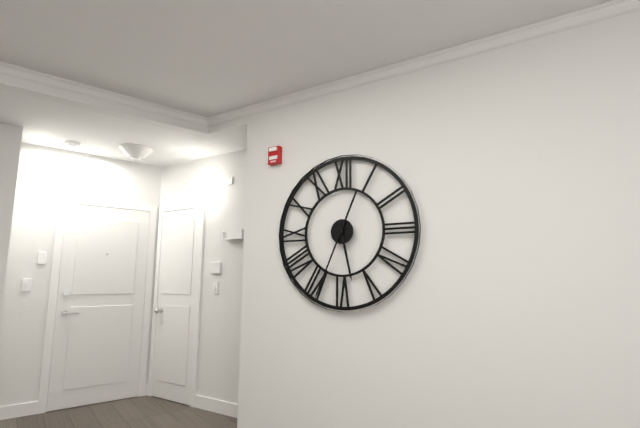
**5:34**
